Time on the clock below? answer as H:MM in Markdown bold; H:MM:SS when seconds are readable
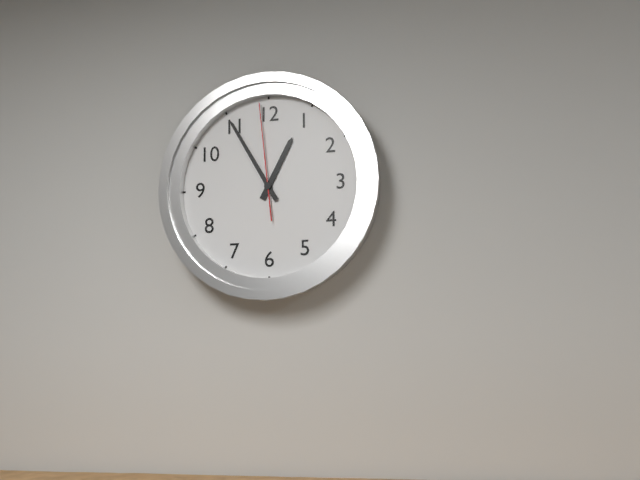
**12:55:59**
